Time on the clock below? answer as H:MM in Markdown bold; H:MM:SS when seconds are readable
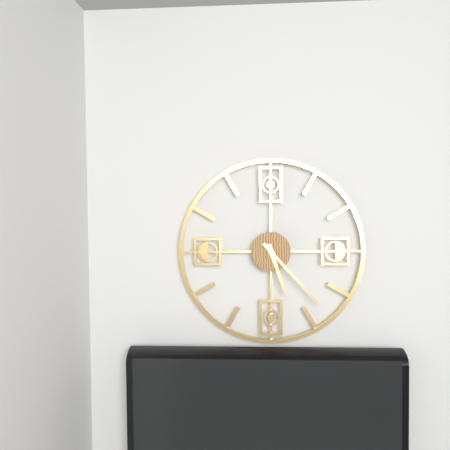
**5:23**
